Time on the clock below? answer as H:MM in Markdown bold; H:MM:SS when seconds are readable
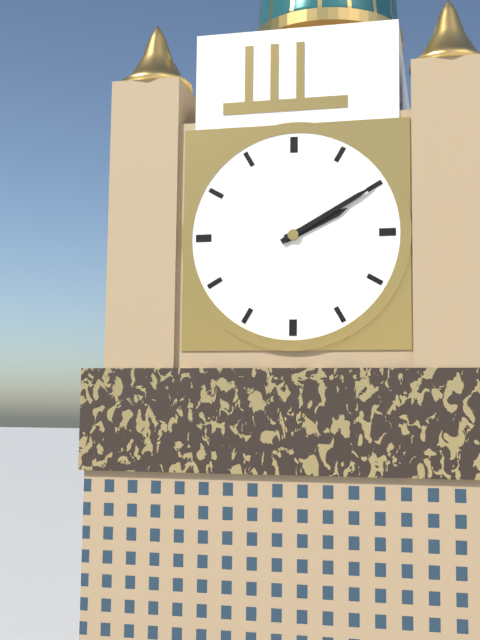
**2:10**
